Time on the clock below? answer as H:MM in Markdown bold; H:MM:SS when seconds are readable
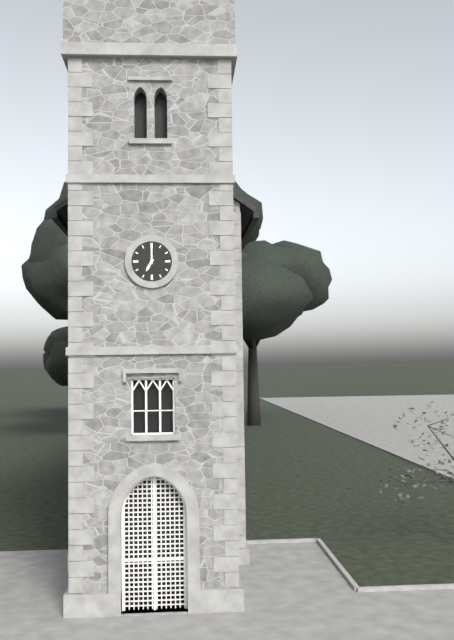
**7:00**
